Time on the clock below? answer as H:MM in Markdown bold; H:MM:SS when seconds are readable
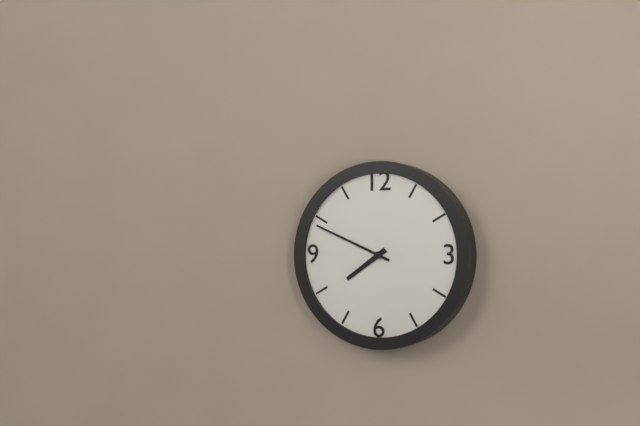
**7:49**
